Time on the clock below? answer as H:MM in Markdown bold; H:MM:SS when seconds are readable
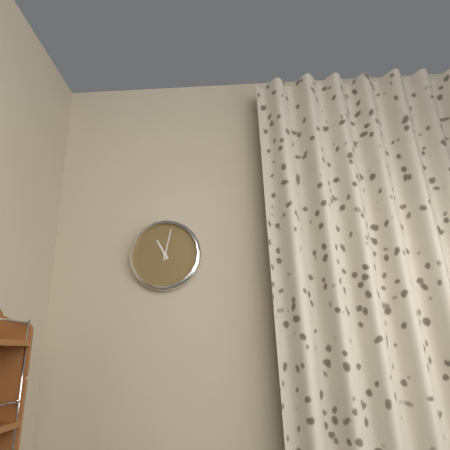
**11:02**
